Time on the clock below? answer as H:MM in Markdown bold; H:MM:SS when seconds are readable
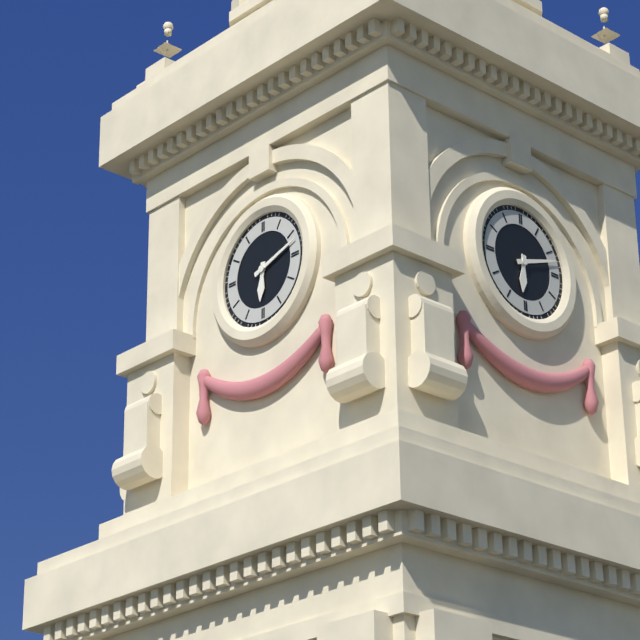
**6:12**
